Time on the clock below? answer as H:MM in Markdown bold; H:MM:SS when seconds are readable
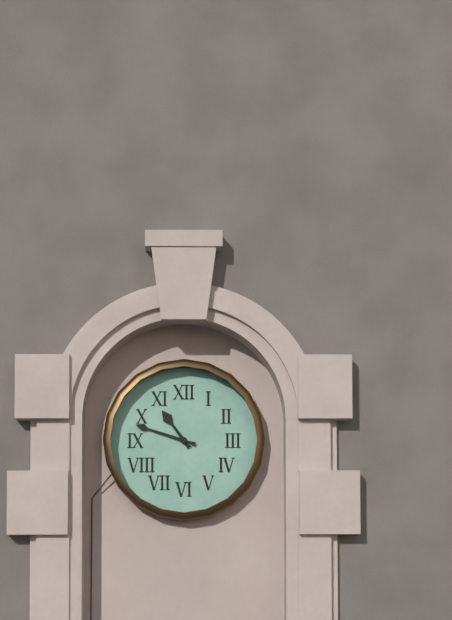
**10:48**
